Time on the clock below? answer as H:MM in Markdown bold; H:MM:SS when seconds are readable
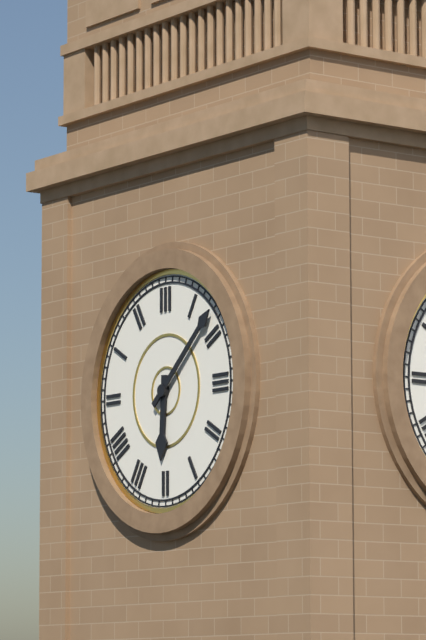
**6:08**
